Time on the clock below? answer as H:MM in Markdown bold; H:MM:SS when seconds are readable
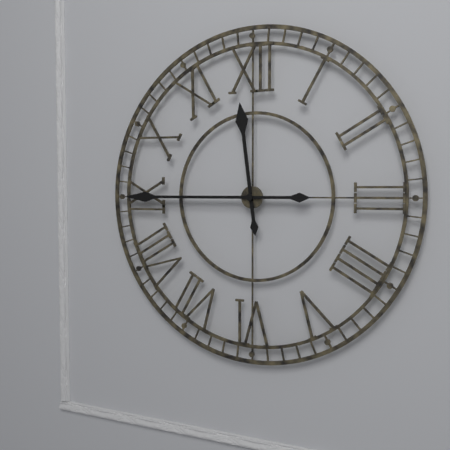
**11:45**
